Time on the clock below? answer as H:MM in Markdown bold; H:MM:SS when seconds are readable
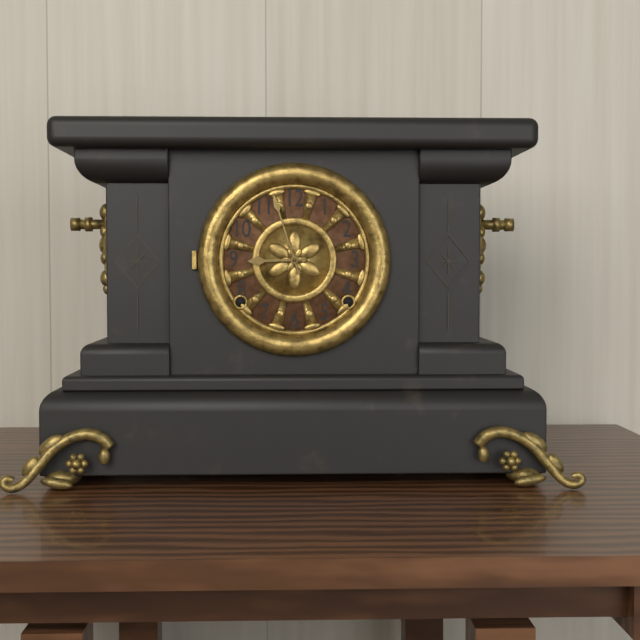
**8:57**
